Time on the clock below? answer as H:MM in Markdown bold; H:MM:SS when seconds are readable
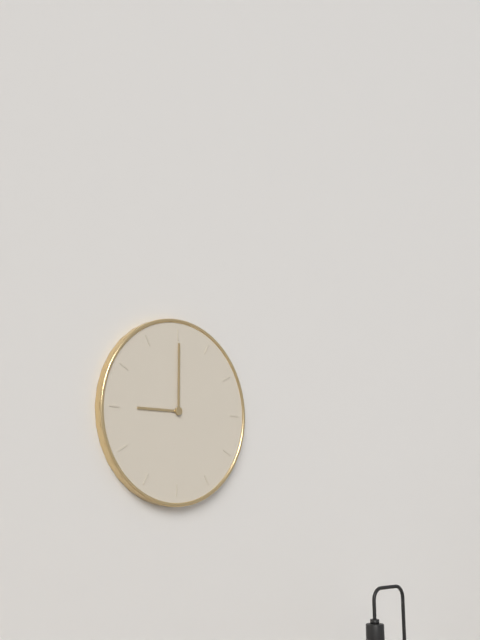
**9:00**
